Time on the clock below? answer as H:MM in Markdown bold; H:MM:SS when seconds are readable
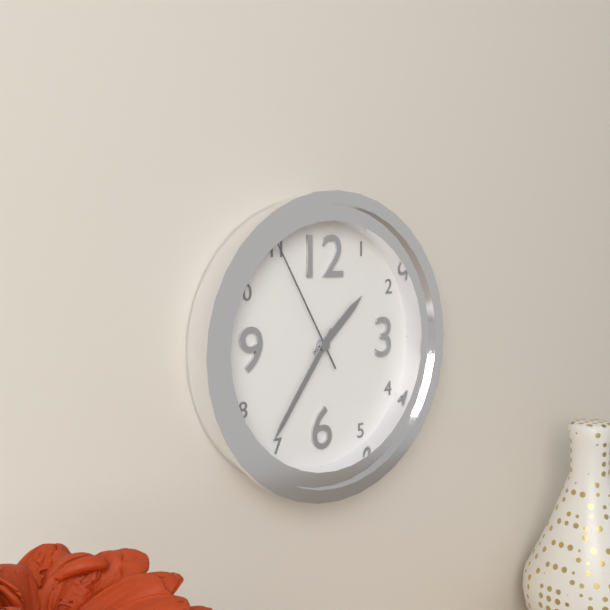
**1:36:55**
